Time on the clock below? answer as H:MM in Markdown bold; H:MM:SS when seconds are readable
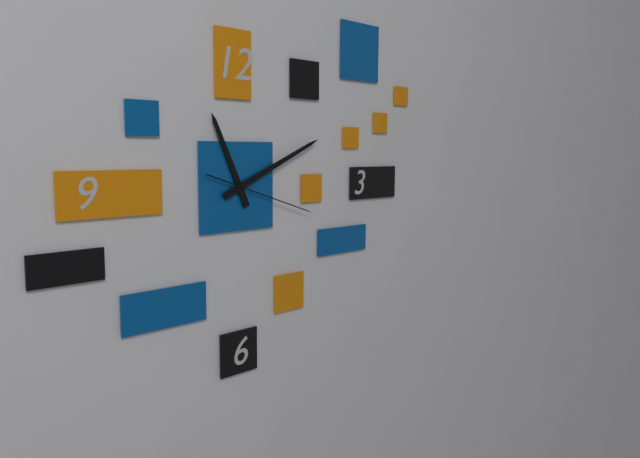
**11:11:18**
